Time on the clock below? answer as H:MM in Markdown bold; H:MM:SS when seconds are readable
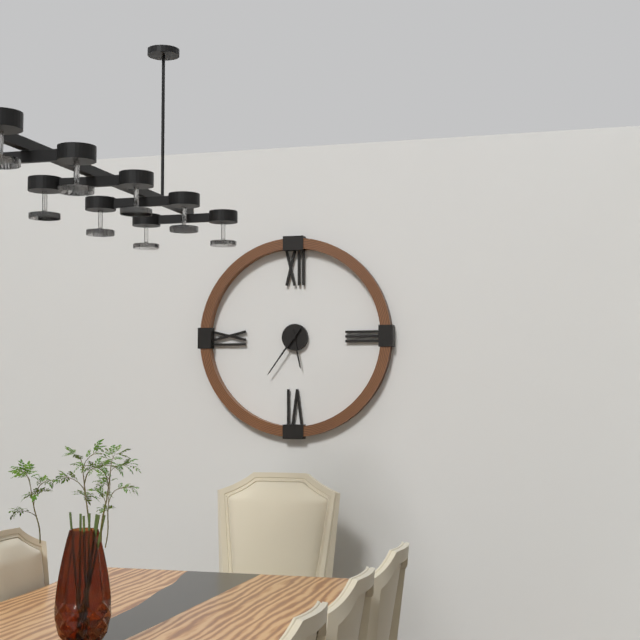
**5:36**
